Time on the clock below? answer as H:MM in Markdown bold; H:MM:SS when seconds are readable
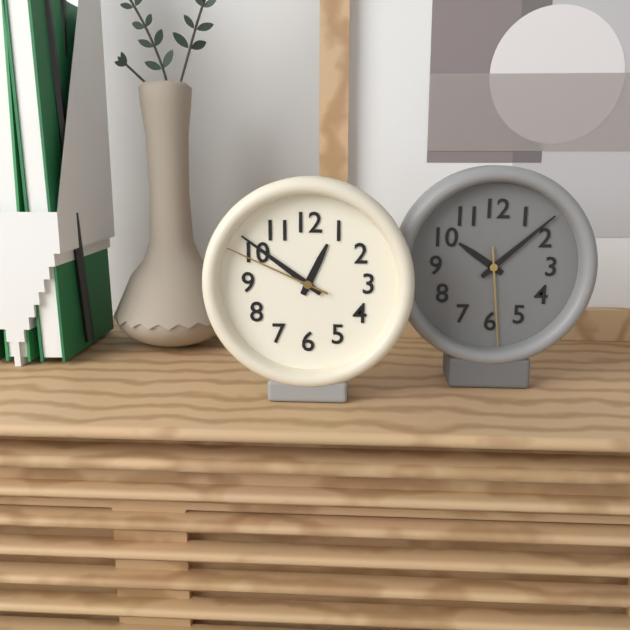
**12:51:49**
